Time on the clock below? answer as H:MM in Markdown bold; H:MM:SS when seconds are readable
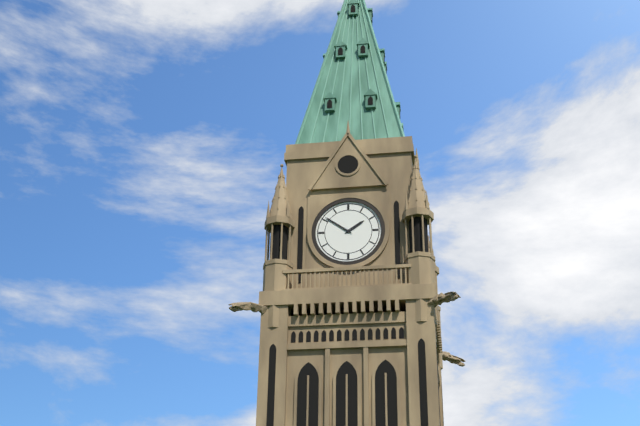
**1:51**
